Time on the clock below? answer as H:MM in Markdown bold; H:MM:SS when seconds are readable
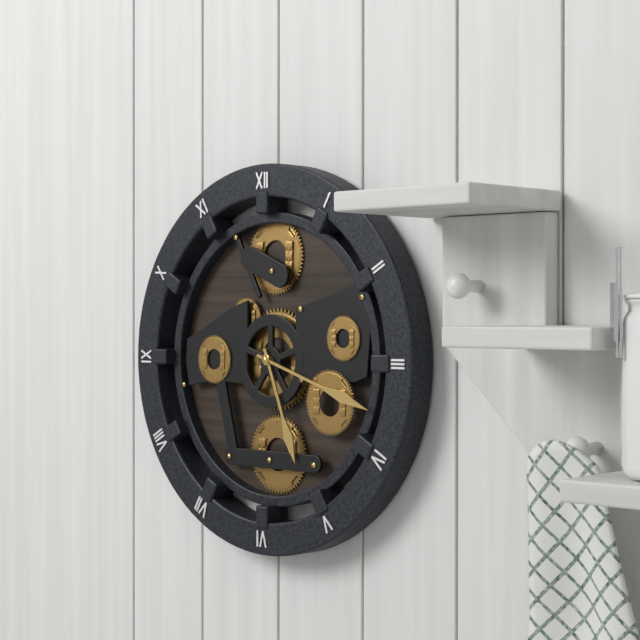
**5:18**
